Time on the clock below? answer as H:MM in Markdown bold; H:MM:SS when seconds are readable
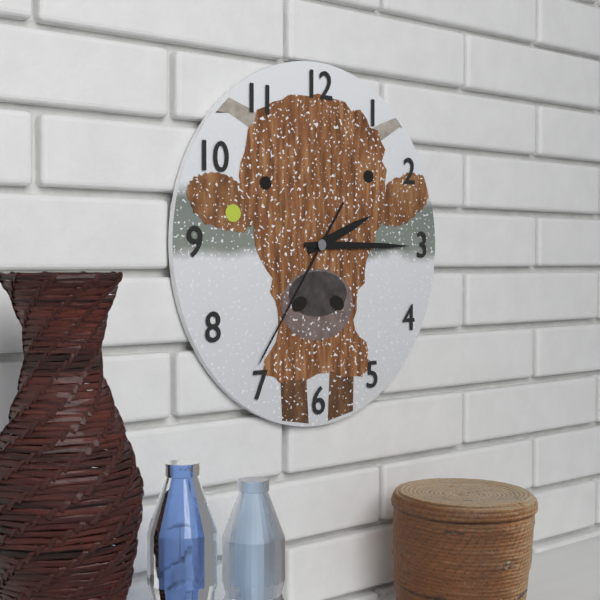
**2:15:36**
